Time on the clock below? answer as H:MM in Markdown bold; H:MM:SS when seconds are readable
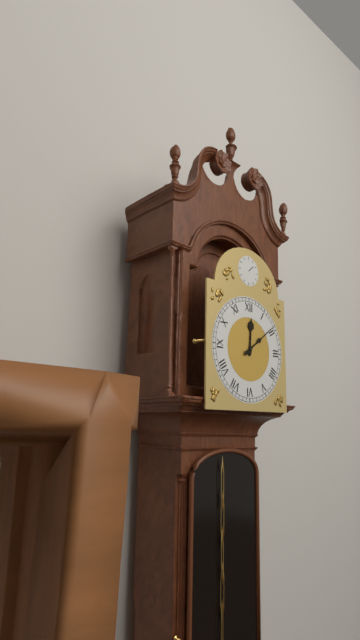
**12:09**
